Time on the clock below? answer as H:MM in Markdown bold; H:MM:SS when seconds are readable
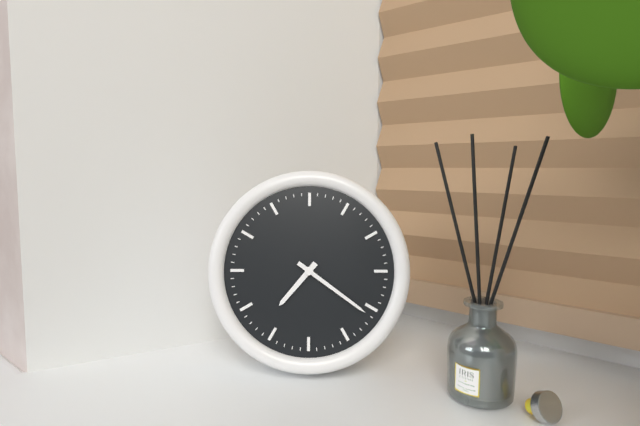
**7:21**
